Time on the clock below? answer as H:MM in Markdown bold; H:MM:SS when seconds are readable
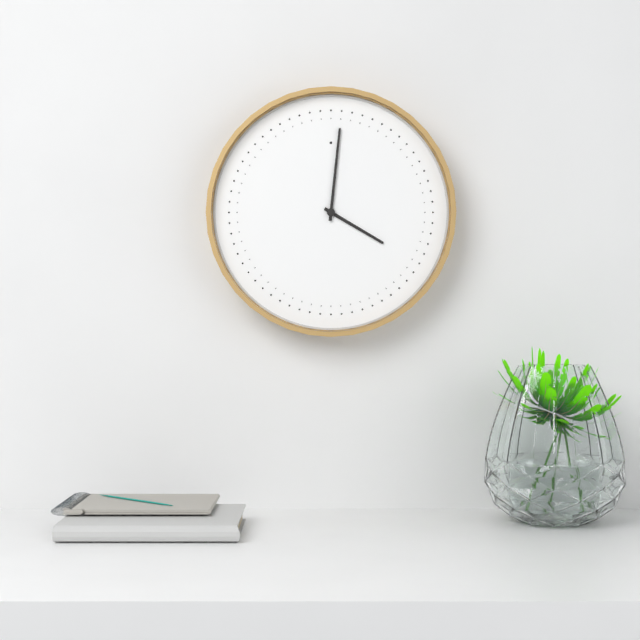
**4:01**
